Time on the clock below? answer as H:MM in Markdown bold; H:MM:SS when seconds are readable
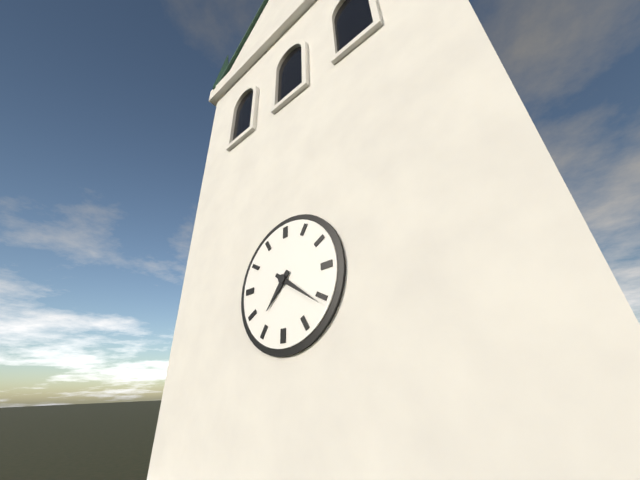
**7:21**
